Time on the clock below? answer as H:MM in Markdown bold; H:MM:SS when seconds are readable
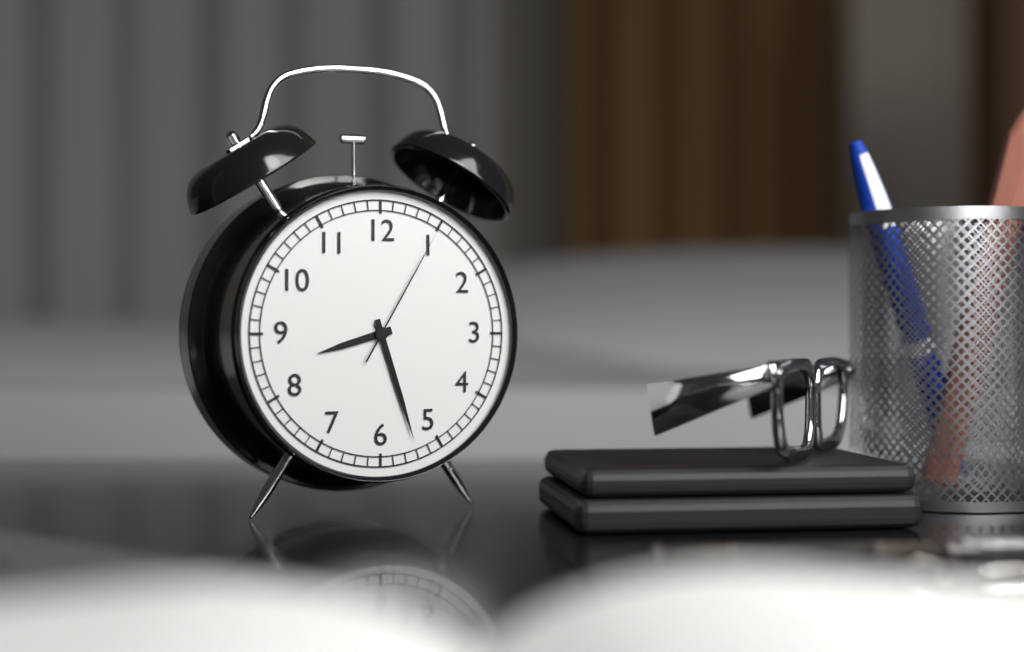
**8:27:05**
